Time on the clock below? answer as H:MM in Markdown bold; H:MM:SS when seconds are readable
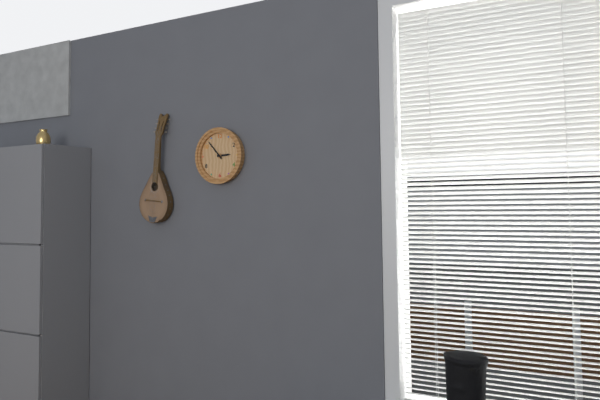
**2:53**
